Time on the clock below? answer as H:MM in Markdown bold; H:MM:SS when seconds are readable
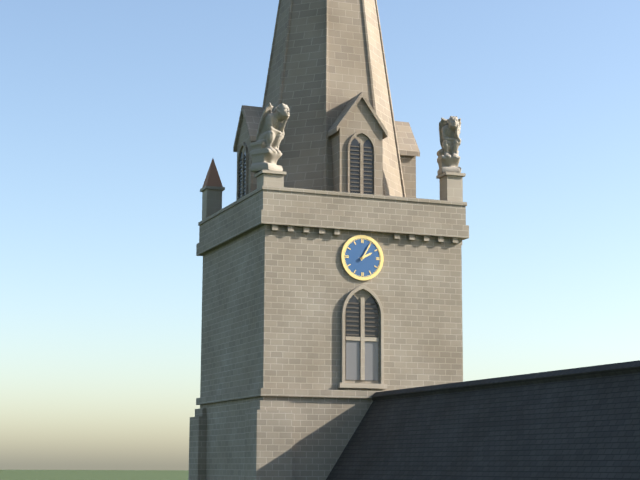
**2:05**
